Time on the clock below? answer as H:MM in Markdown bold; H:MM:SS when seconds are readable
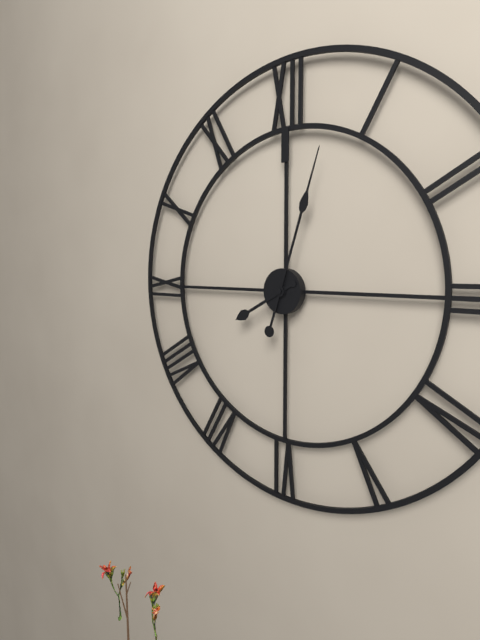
**8:03**
